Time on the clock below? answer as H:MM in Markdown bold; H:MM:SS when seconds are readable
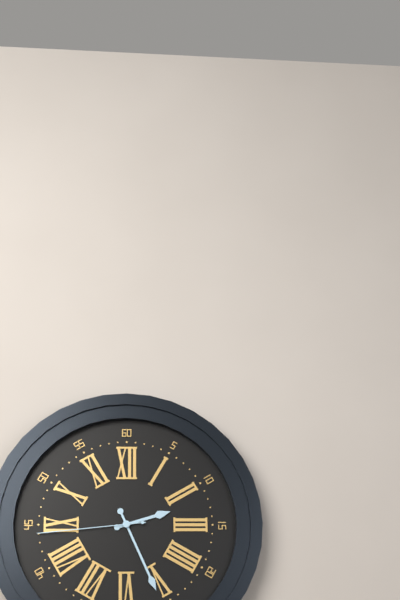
**2:26:44**
